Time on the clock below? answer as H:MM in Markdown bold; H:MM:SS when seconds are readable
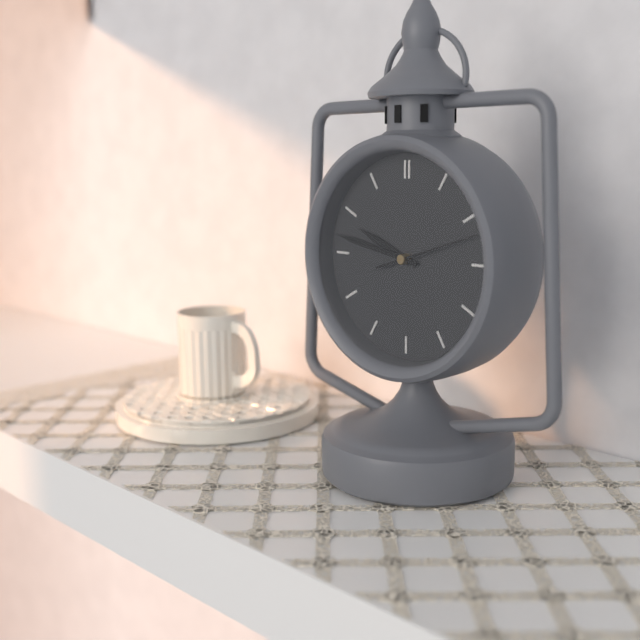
**9:47:12**
